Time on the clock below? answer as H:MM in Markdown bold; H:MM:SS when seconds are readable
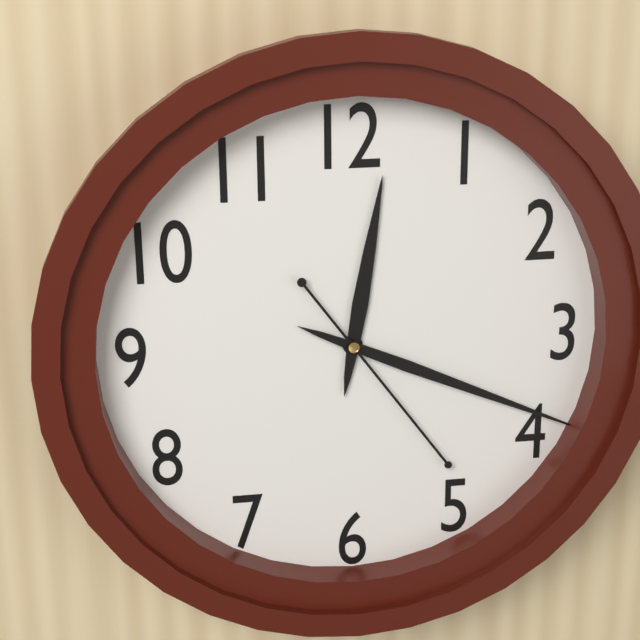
**12:19:24**
